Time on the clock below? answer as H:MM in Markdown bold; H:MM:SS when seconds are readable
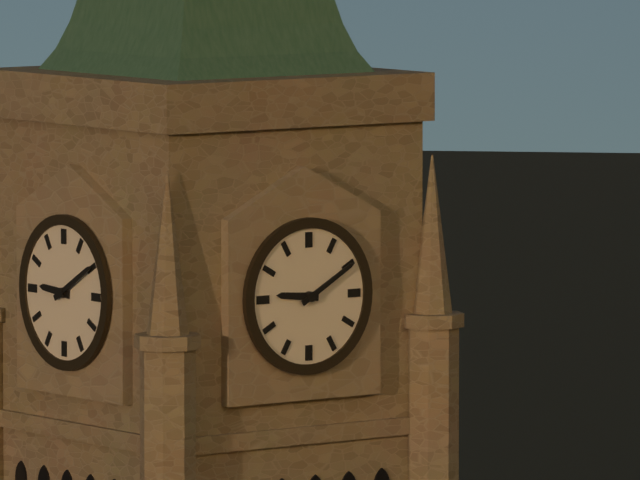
**9:10**
